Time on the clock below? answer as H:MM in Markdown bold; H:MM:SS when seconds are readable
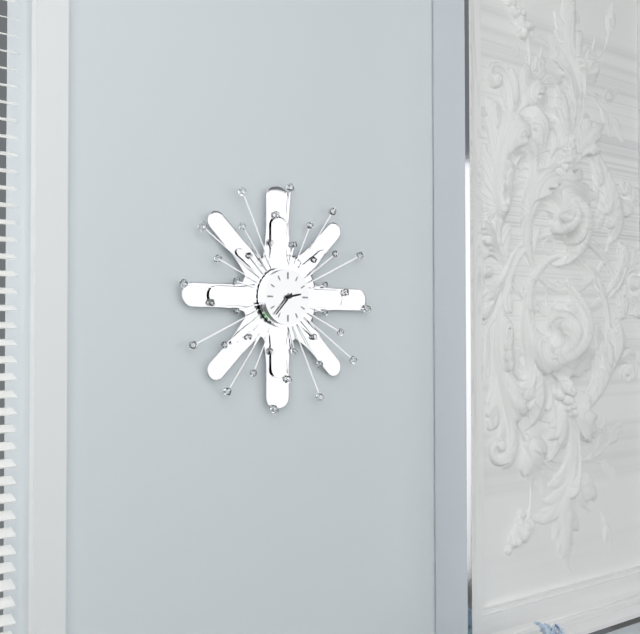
**2:37**
